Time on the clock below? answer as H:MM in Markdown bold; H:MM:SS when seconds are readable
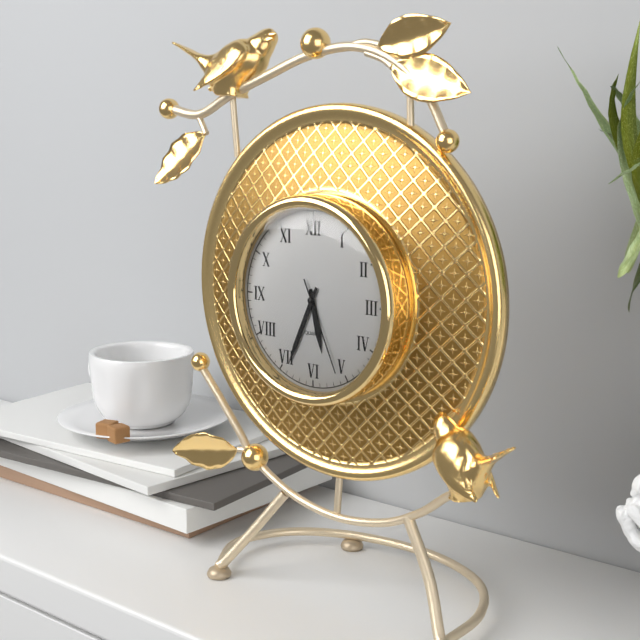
**5:34:26**
